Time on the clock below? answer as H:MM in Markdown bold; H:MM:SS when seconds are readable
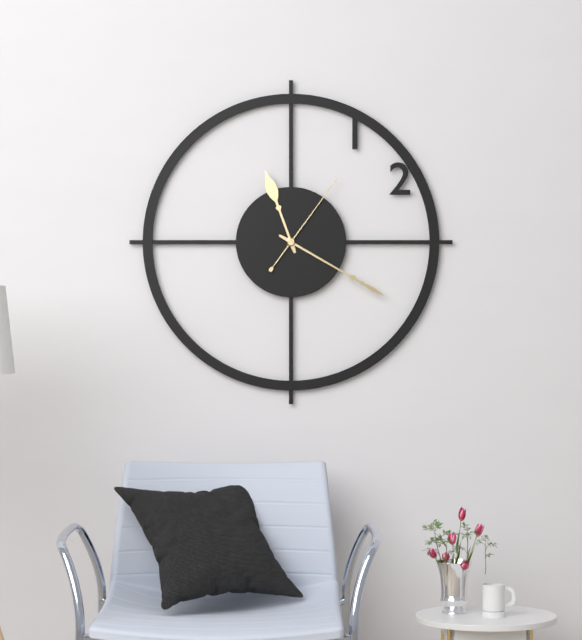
**11:20:06**
